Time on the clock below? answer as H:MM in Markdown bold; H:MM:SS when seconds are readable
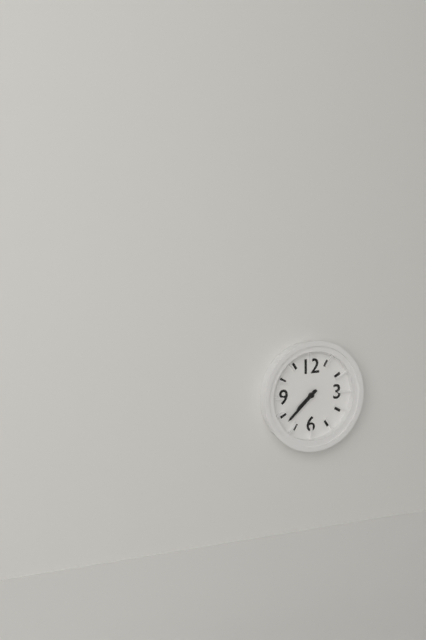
**7:38**
